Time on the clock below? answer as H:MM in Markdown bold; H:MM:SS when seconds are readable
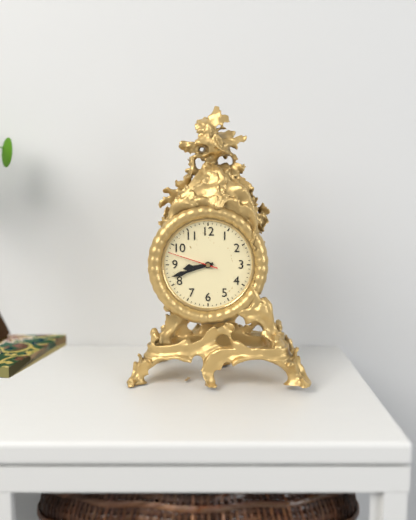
**8:42:48**
